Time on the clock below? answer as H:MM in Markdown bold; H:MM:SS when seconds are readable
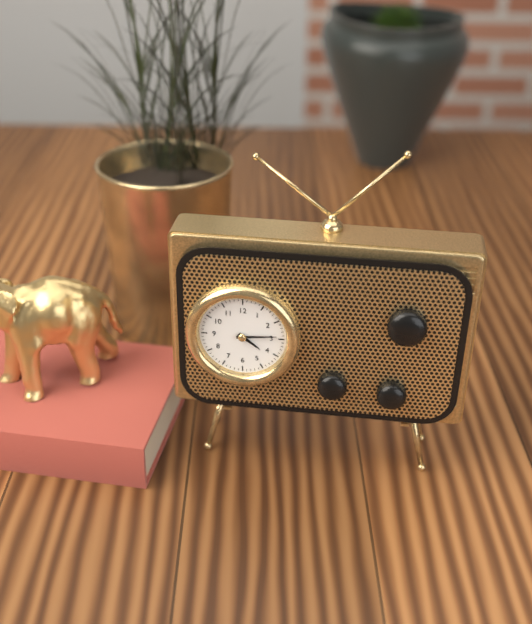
**4:14**
